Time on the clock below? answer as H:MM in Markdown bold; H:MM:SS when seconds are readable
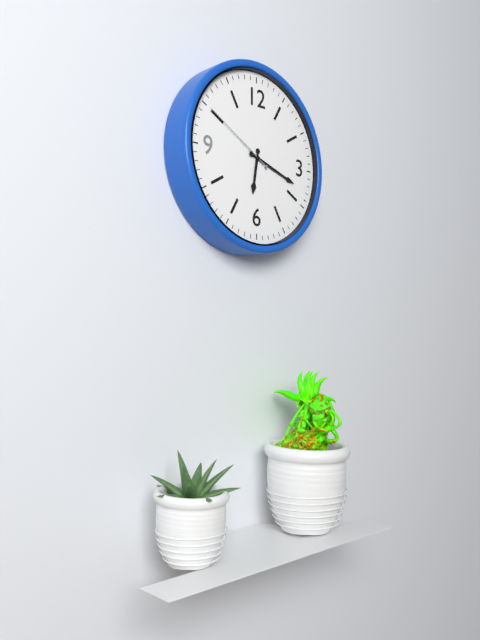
**6:18:50**
